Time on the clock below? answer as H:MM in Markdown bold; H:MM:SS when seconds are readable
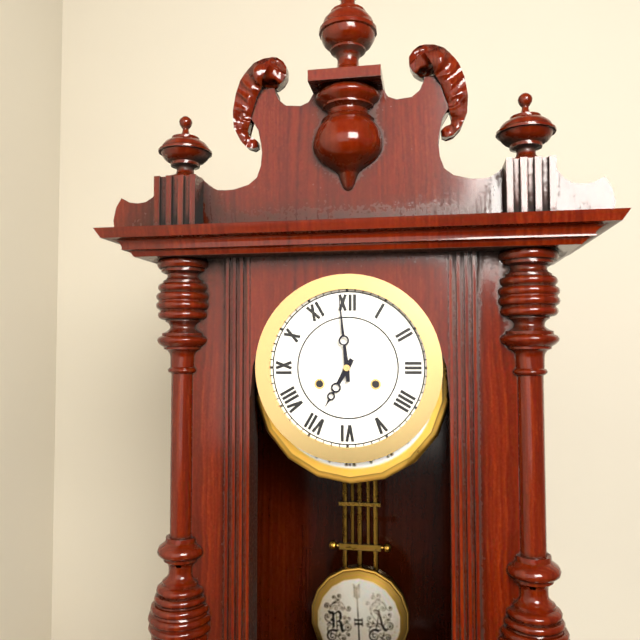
**6:59**
